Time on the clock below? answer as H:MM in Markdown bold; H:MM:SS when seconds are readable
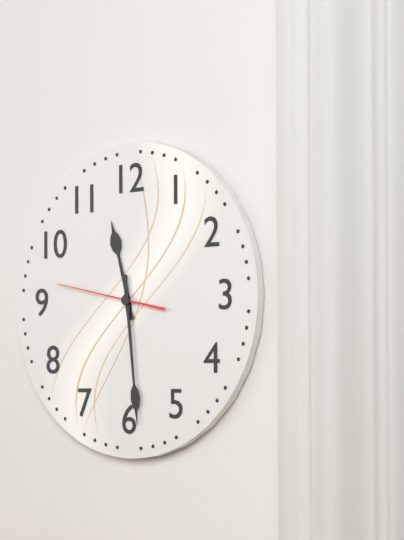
**11:29:47**
